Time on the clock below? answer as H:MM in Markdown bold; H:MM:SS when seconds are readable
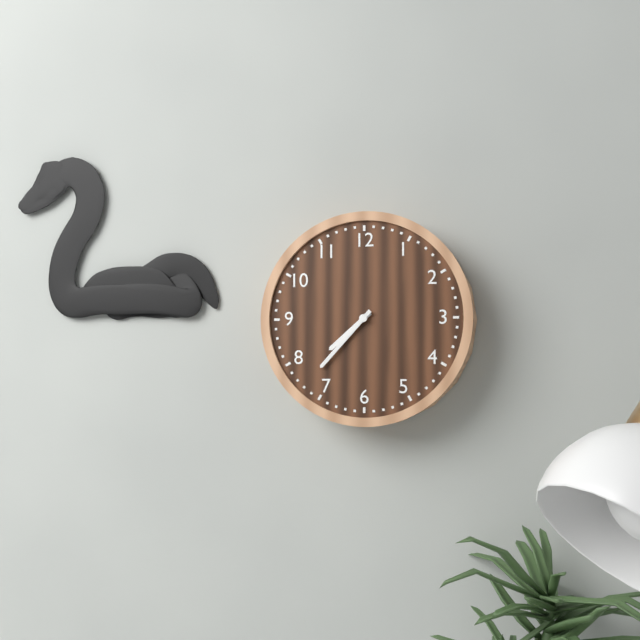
**7:37**
